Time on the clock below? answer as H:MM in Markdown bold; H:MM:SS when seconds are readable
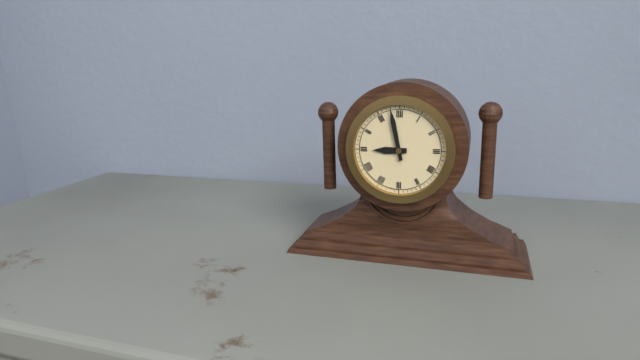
**8:58**
